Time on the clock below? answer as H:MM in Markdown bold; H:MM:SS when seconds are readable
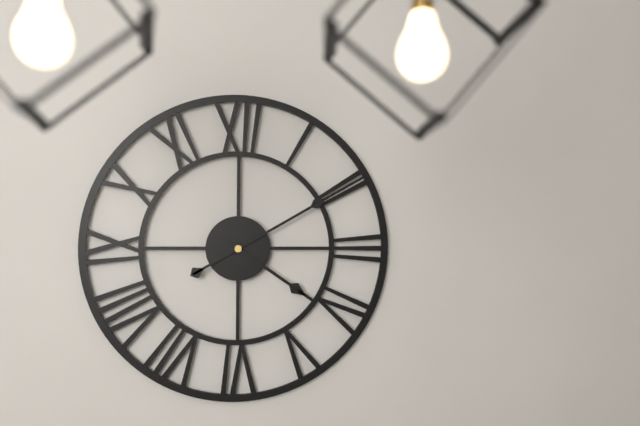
**4:10**
